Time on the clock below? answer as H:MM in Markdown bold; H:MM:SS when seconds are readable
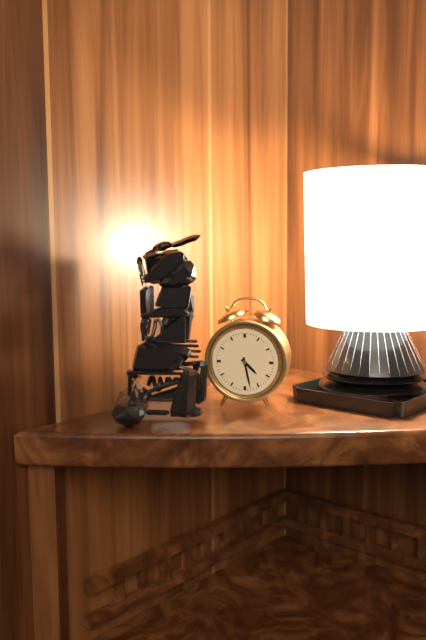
**4:28**
